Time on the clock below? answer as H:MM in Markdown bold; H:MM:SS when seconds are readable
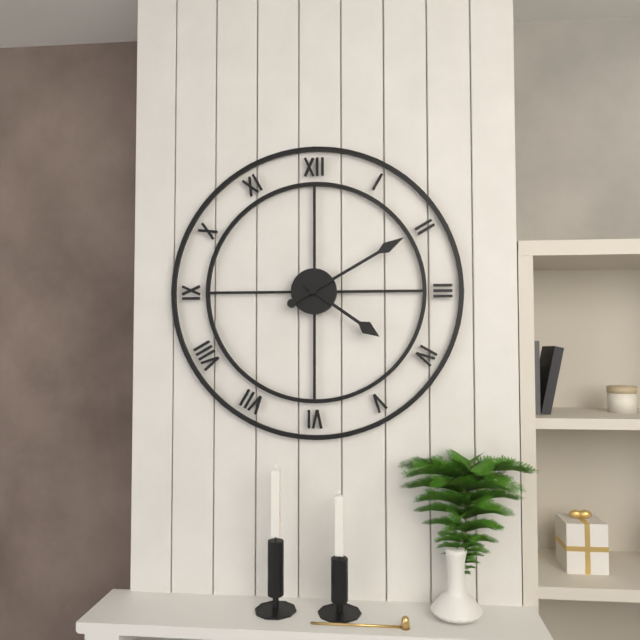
**4:10**
